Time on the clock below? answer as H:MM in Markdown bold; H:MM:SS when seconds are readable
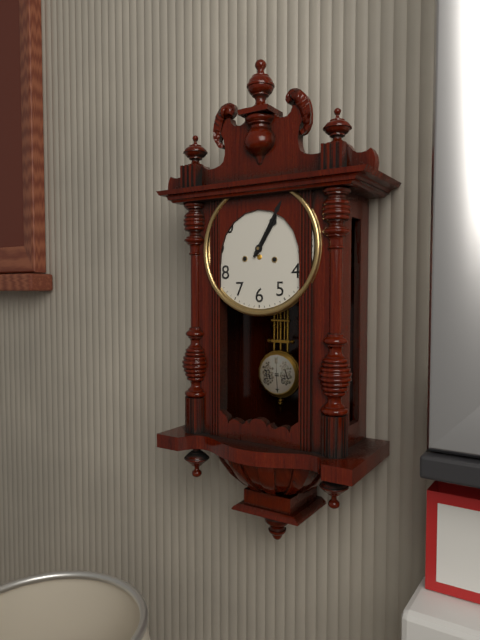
**1:05**
